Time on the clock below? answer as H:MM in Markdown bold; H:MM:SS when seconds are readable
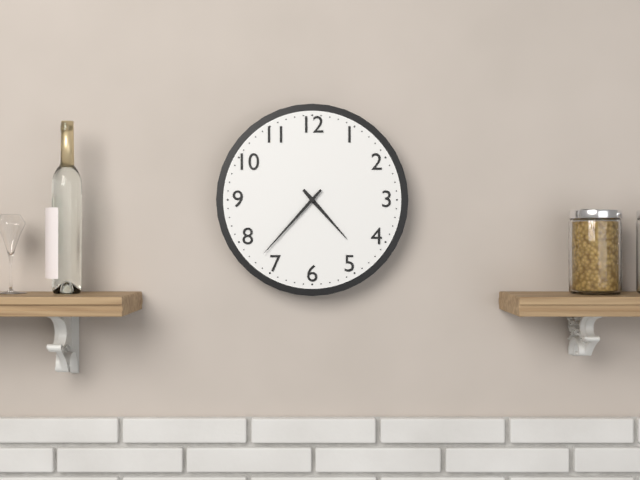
**4:37**
